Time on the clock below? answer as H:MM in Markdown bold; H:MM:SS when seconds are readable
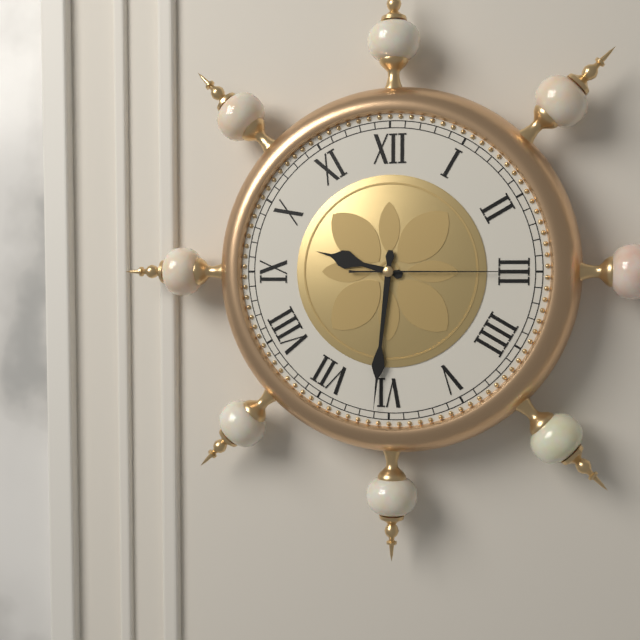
**9:31:15**
